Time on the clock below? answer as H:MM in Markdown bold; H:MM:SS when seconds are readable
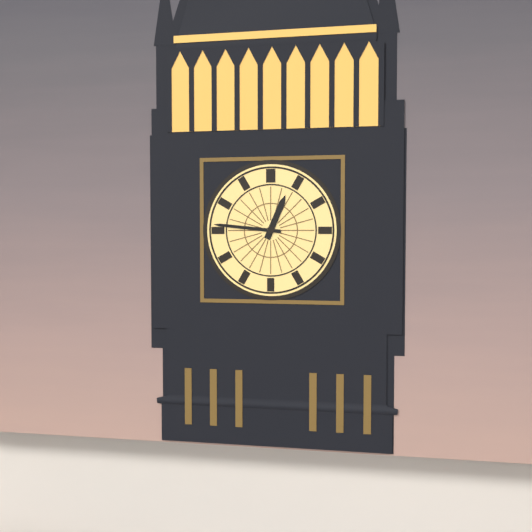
**12:46**
